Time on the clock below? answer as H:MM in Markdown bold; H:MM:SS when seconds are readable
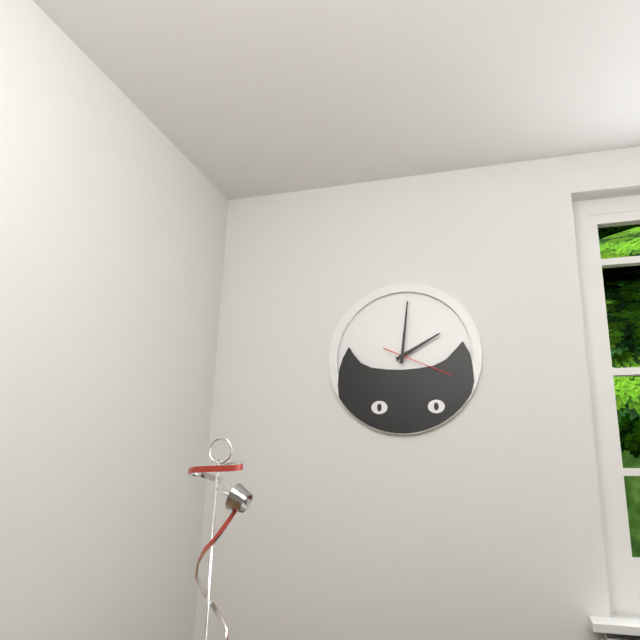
**2:01:19**
